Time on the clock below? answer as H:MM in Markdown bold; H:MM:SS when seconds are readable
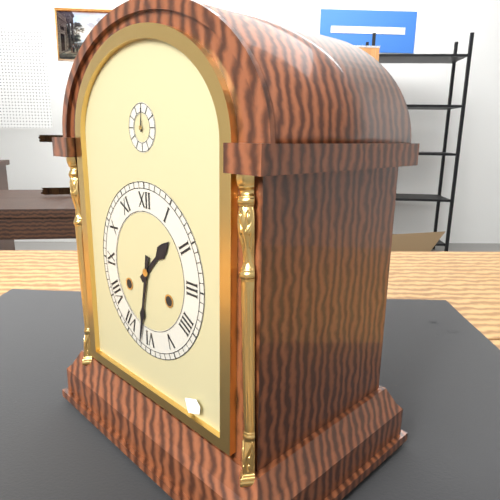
**1:32**
